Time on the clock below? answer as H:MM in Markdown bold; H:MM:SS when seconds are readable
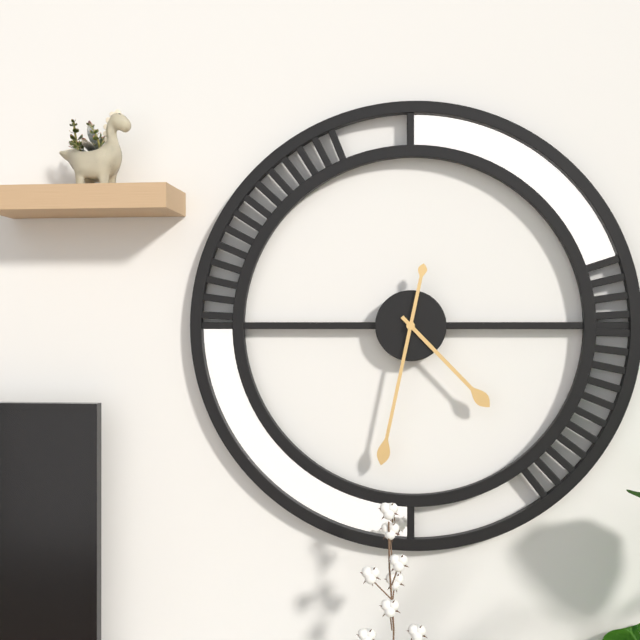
**4:32**
